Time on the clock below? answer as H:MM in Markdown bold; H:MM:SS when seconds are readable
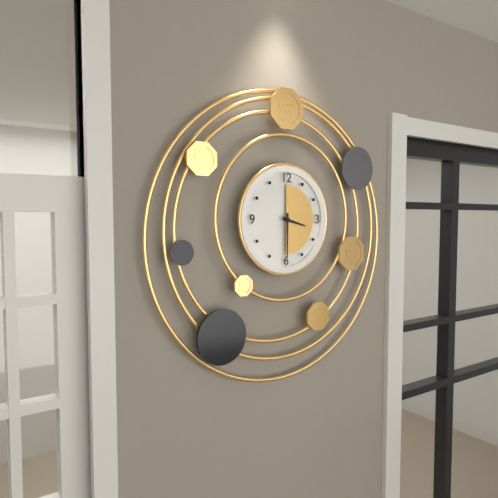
**3:30**
